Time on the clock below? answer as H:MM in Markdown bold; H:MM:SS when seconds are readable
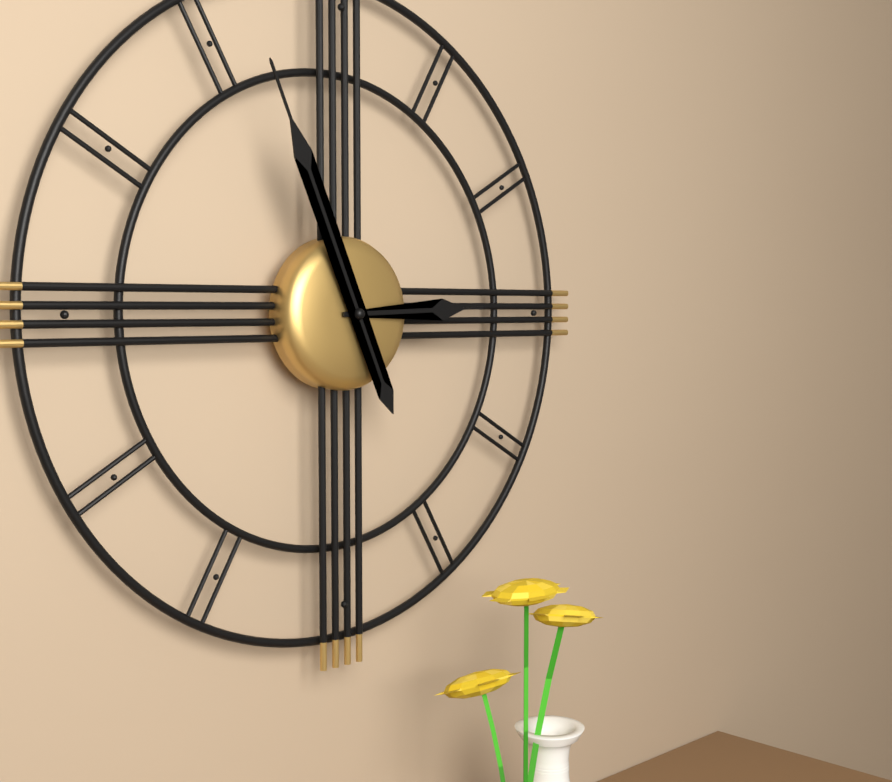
**2:56**
